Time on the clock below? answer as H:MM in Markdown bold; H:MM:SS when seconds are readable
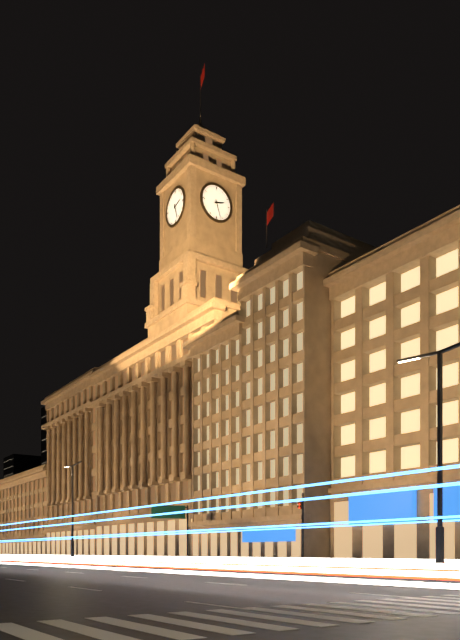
**2:27**
